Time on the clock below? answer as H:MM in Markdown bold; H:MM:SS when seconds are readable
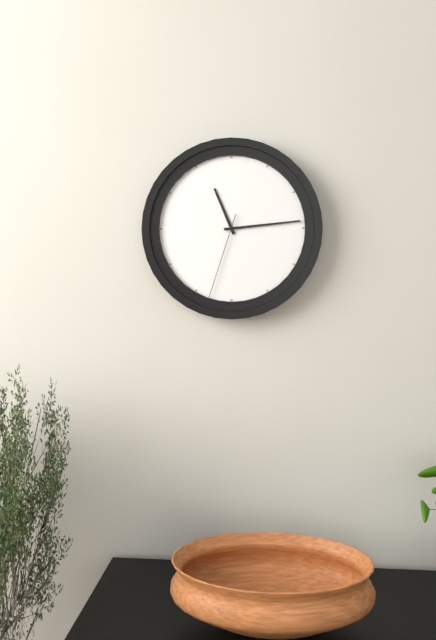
**11:14:33**
